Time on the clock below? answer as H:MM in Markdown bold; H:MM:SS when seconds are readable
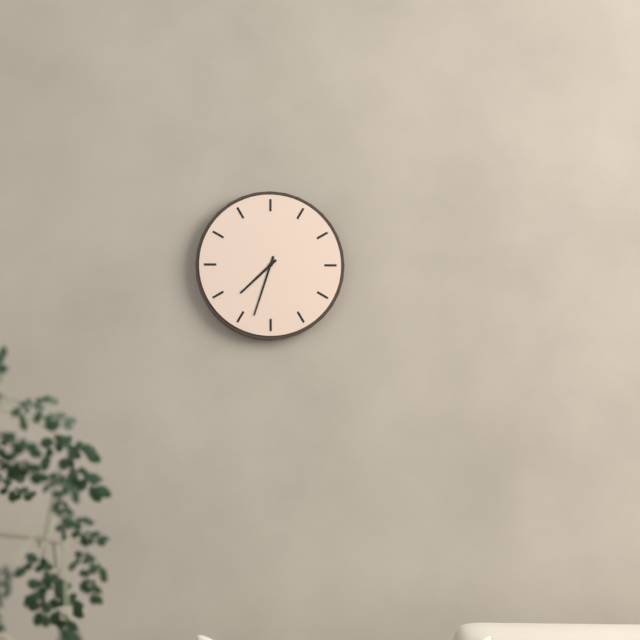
**7:33**
